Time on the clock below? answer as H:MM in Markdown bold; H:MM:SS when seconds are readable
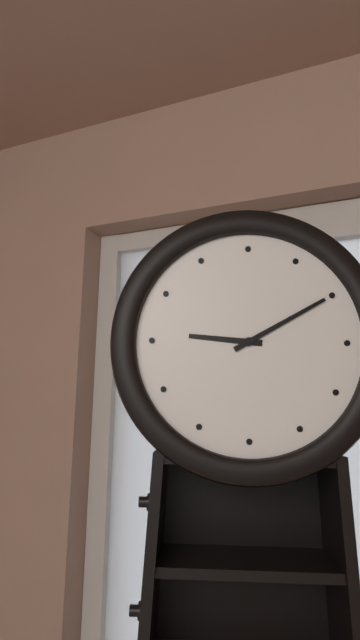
**9:10**
